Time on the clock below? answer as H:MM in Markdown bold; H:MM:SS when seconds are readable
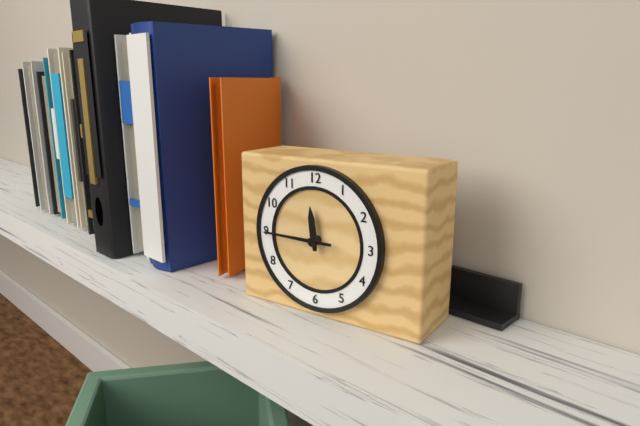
**11:45**
